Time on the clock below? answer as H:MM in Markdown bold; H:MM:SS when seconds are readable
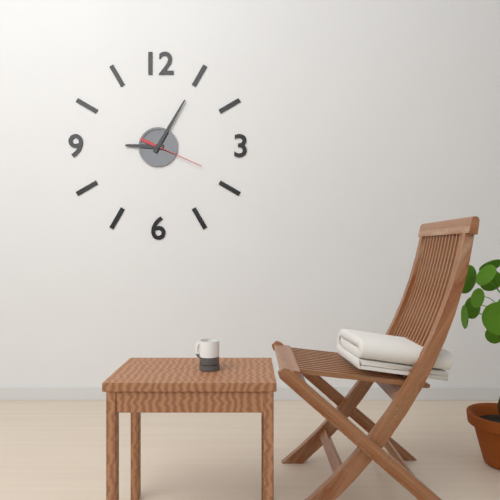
**9:05:19**
